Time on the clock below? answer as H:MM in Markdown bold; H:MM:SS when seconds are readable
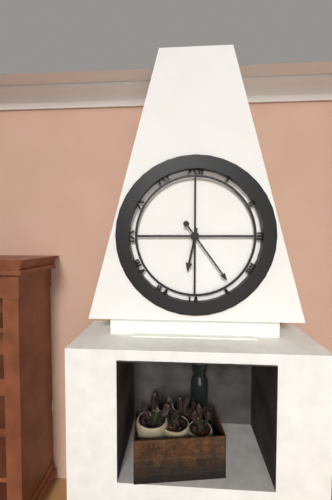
**6:24**
